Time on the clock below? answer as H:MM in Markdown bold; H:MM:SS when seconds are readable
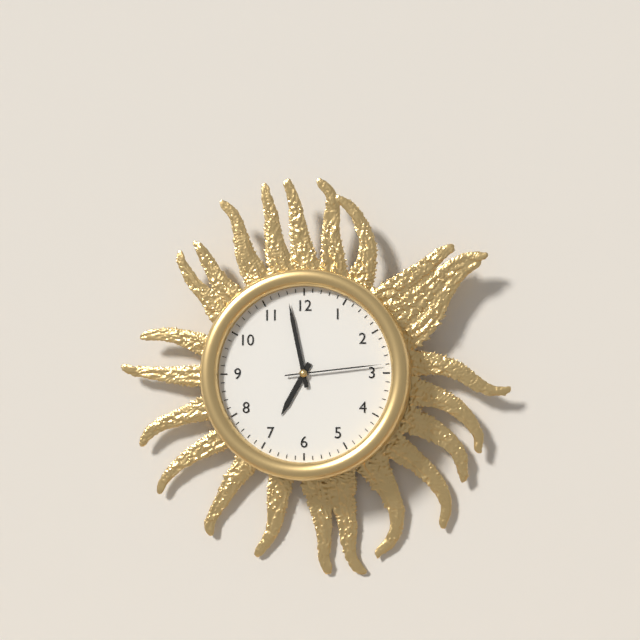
**6:58:14**
